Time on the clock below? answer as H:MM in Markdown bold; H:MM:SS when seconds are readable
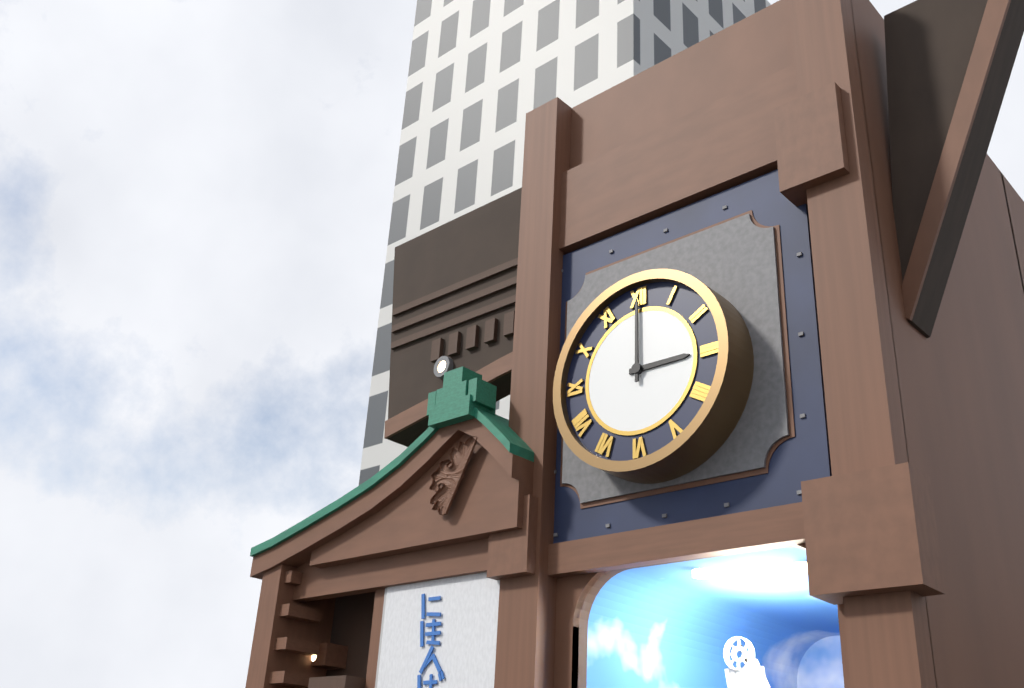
**3:00**
